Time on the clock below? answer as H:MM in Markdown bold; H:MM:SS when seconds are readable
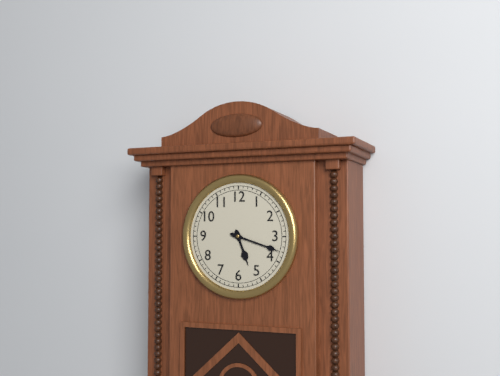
**5:18**
